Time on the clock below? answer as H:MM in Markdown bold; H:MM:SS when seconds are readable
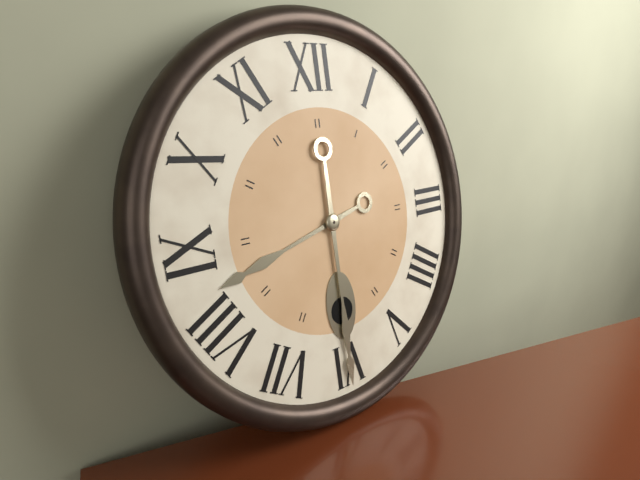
**8:30**
